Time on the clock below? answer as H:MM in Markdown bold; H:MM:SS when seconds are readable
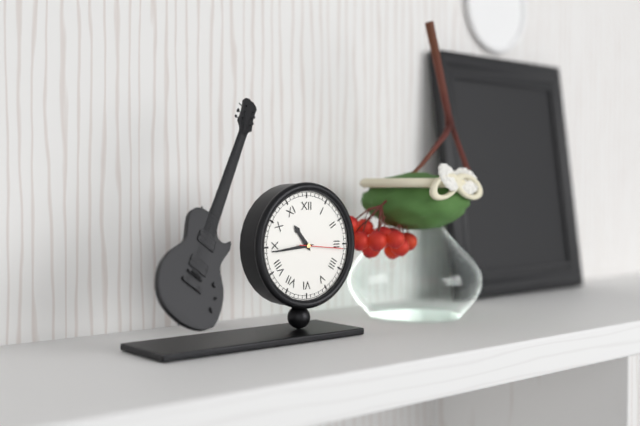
**10:44**
